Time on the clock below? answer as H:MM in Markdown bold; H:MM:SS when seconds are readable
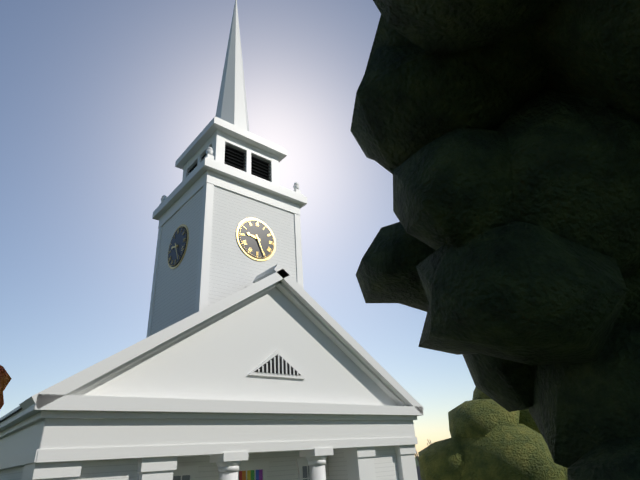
**9:26**
